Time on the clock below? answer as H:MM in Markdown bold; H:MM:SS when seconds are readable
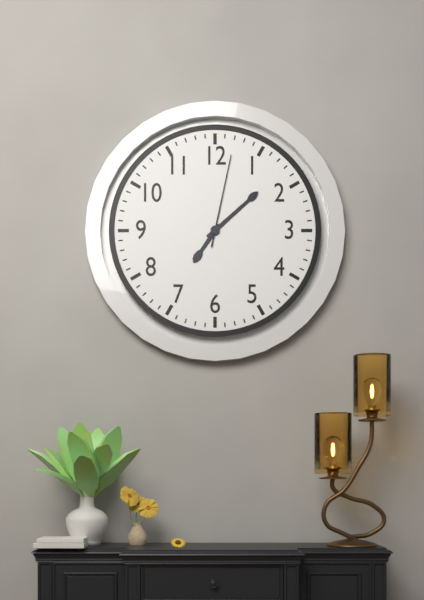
**7:08:02**
